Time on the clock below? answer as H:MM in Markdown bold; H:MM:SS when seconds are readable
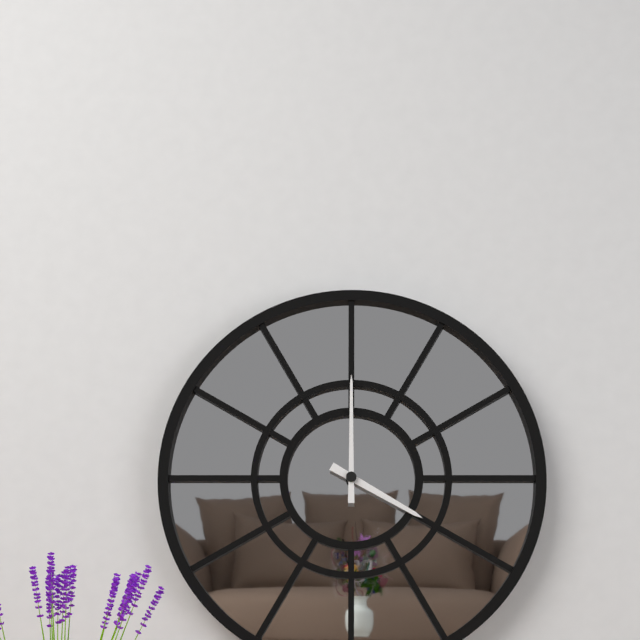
**4:00**
